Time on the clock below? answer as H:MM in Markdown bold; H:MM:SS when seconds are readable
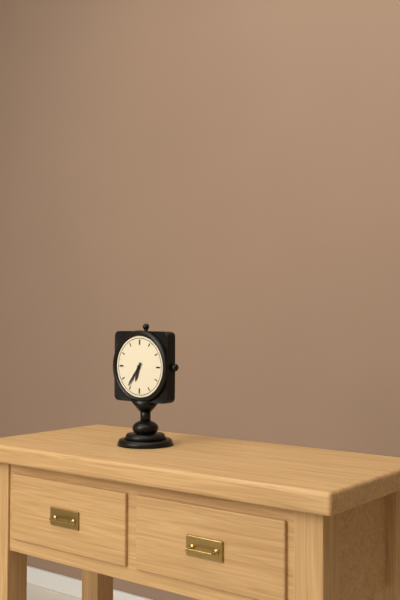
**6:36**
